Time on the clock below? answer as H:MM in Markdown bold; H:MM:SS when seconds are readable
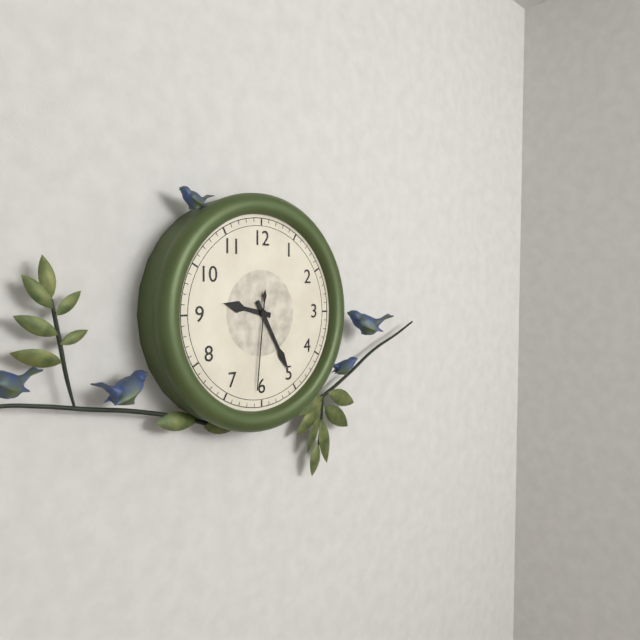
**9:25:31**
